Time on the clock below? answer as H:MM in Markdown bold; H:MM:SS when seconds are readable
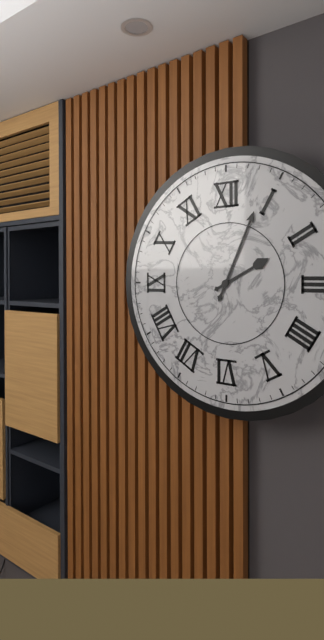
**2:04**
